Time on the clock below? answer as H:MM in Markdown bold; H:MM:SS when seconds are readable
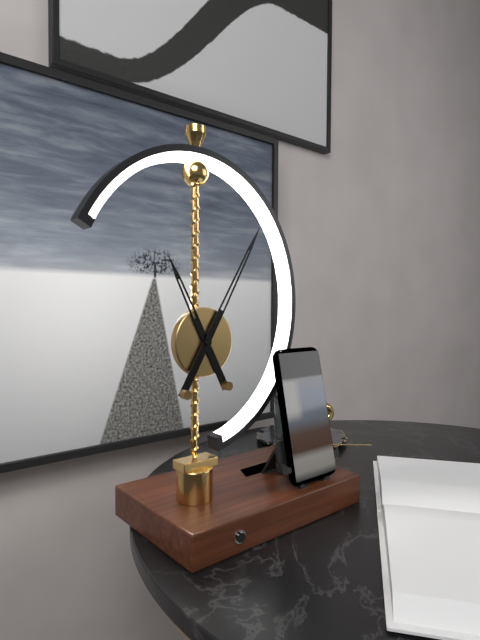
**11:05**
